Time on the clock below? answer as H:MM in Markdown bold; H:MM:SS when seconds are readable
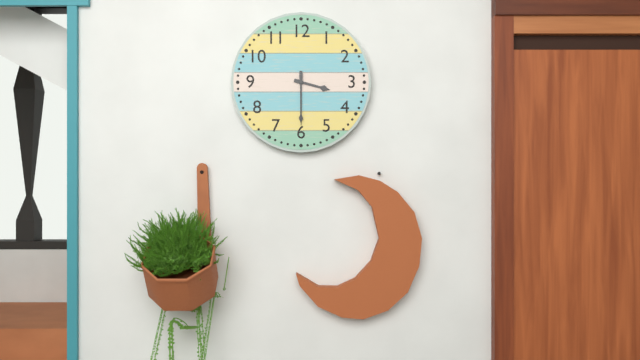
**3:30**
